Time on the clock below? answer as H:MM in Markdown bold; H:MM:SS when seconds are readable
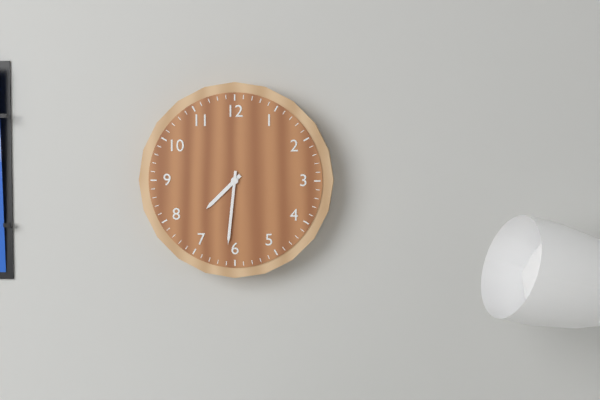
**7:31**
